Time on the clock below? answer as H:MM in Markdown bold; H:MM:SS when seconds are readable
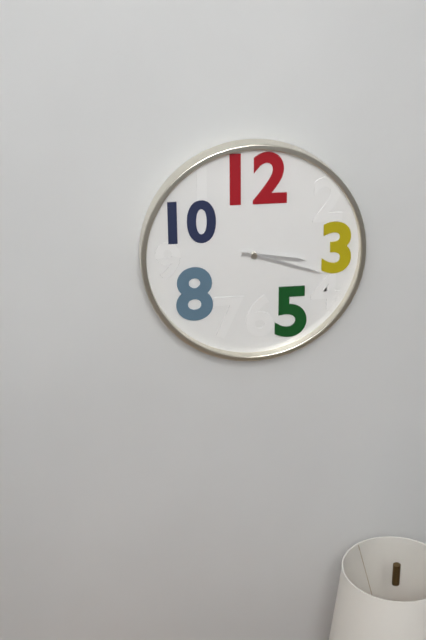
**3:18**
